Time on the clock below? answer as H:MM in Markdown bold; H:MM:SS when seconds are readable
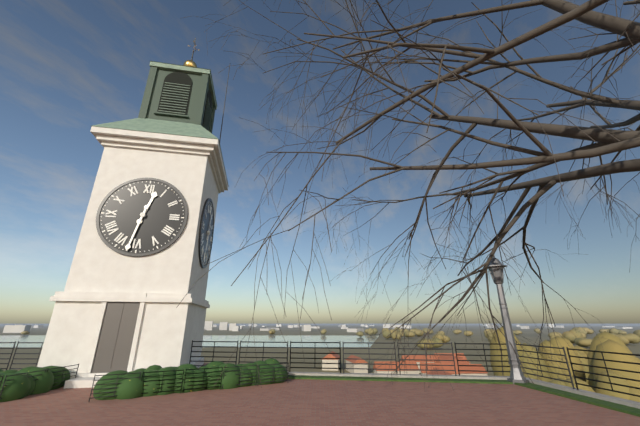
**12:32**
